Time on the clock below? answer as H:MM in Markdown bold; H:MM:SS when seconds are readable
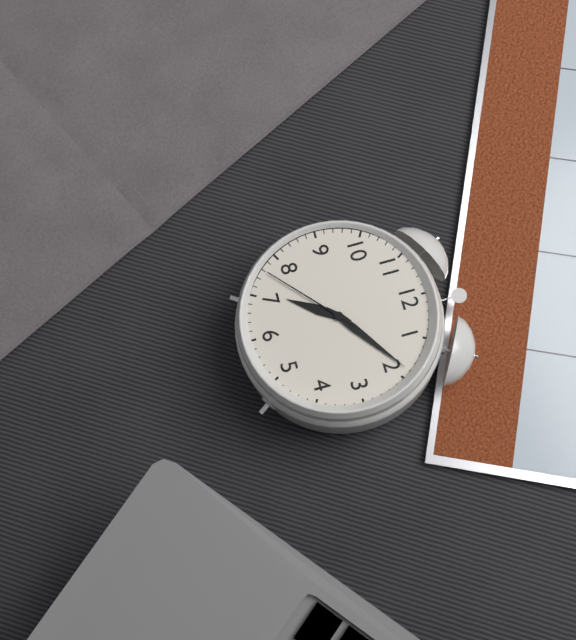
**7:09:38**
